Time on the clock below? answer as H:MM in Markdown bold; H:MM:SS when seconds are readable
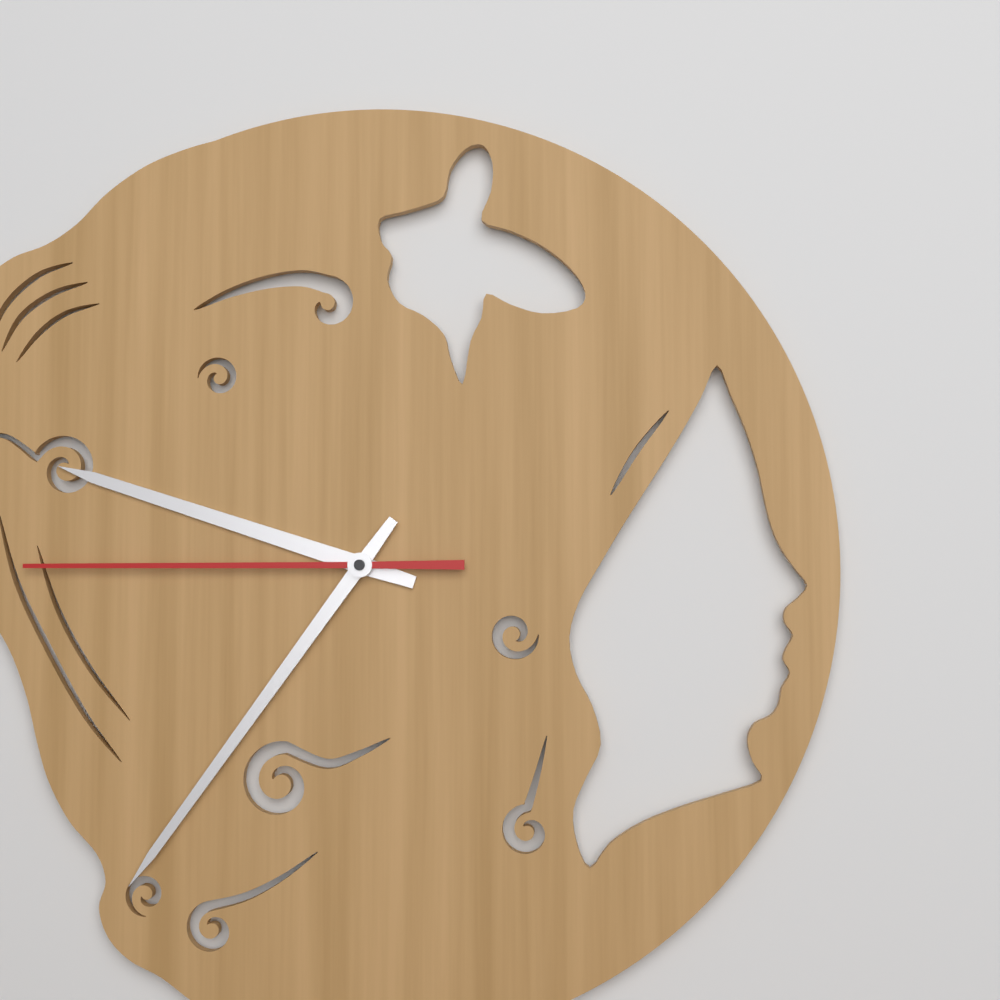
**9:36:45**
